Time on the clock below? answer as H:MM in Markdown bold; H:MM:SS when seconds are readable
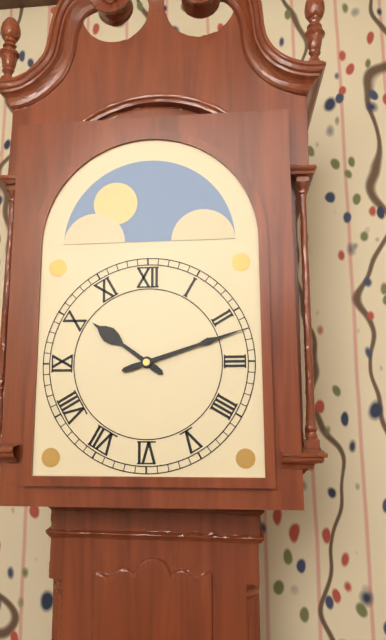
**10:12**
